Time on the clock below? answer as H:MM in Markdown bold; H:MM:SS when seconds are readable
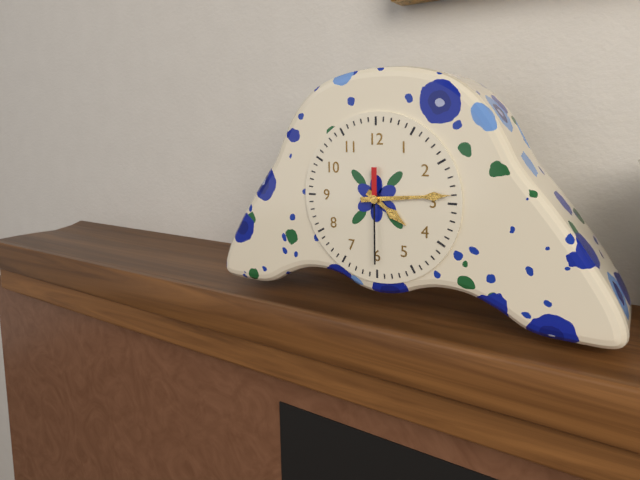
**4:14:30**
